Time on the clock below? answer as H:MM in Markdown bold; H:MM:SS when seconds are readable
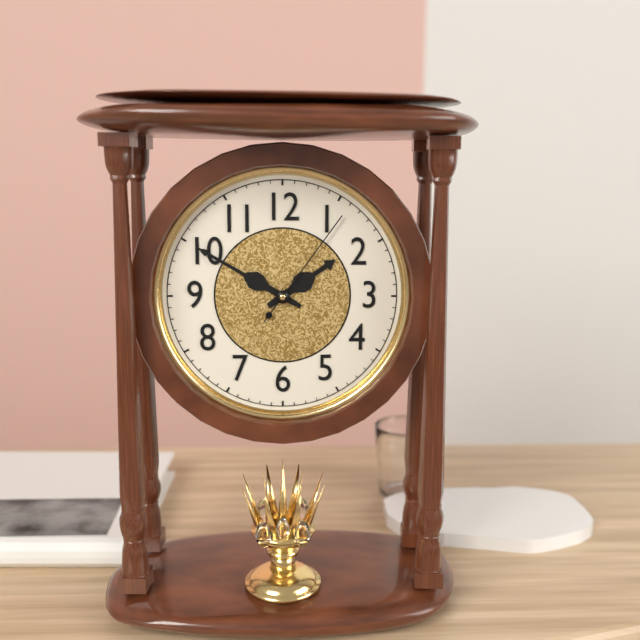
**1:50:06**
